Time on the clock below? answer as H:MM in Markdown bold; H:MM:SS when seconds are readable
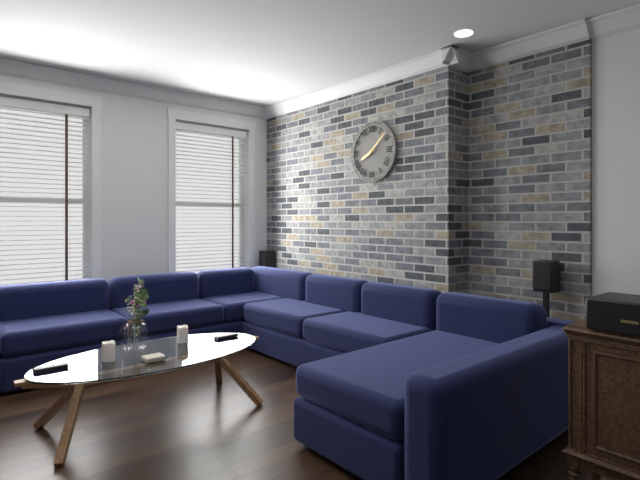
**8:08**
